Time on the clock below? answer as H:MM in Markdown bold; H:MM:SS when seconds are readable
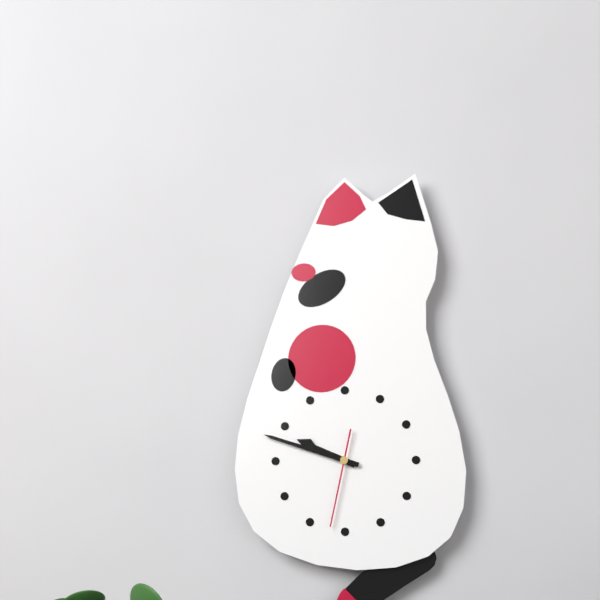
**9:48:32**
